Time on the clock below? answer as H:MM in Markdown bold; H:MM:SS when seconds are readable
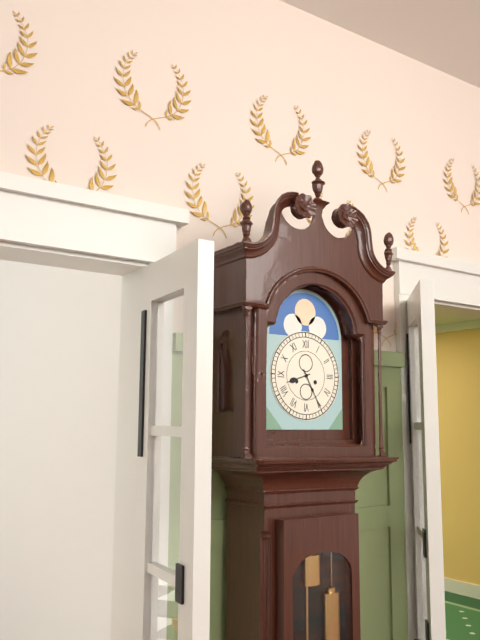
**8:25**
